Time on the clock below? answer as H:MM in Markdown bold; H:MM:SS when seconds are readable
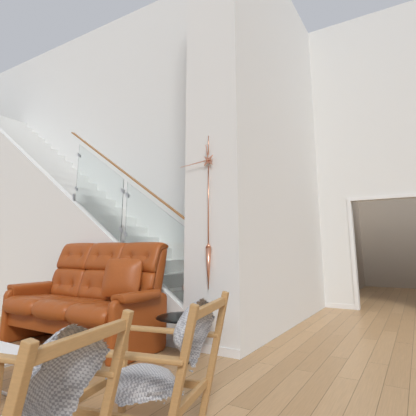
**11:44**
